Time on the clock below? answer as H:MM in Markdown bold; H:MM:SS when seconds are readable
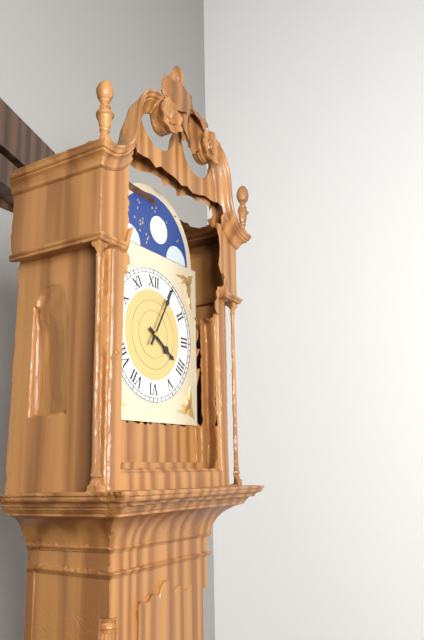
**4:05**
